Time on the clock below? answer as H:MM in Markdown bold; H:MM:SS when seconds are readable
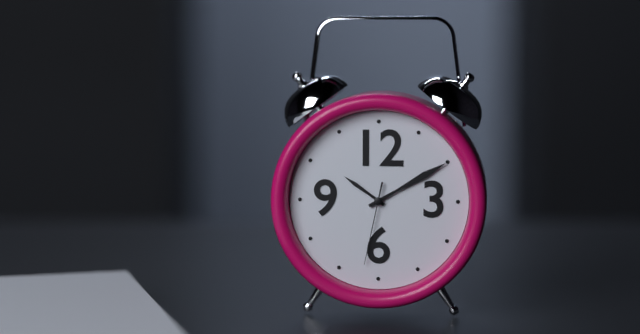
**10:10:32**
